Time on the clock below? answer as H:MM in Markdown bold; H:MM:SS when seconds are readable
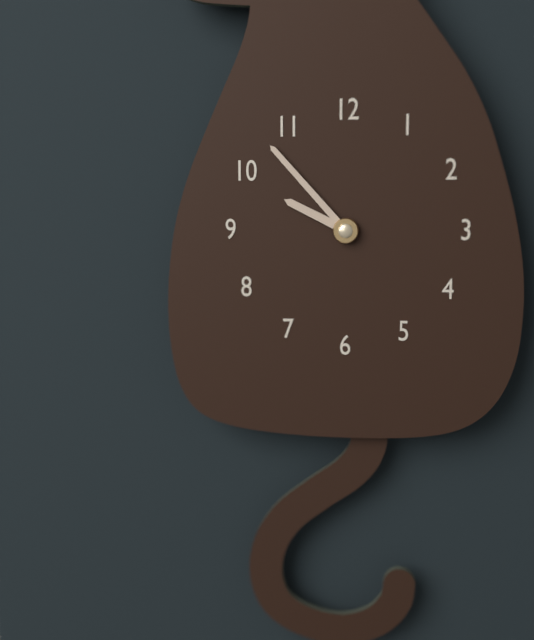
**9:53**
